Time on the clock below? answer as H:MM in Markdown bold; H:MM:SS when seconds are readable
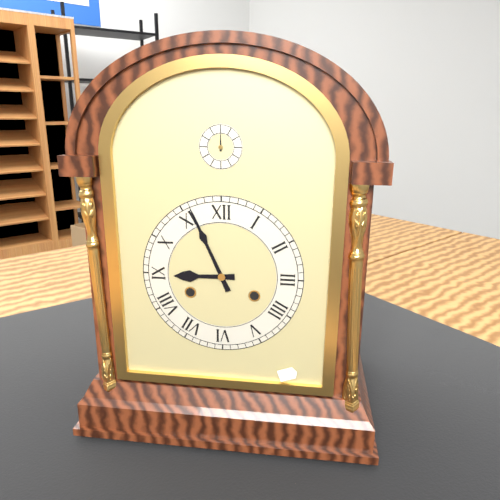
**8:56**
